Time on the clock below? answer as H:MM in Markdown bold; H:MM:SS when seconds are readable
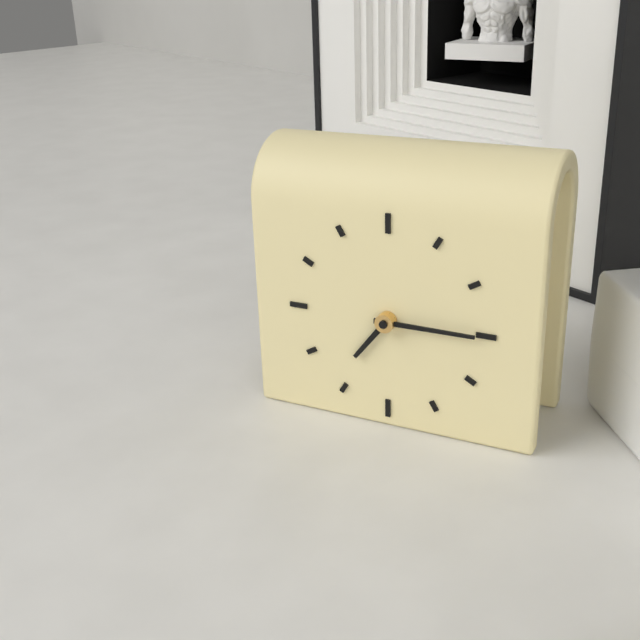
**7:15**
